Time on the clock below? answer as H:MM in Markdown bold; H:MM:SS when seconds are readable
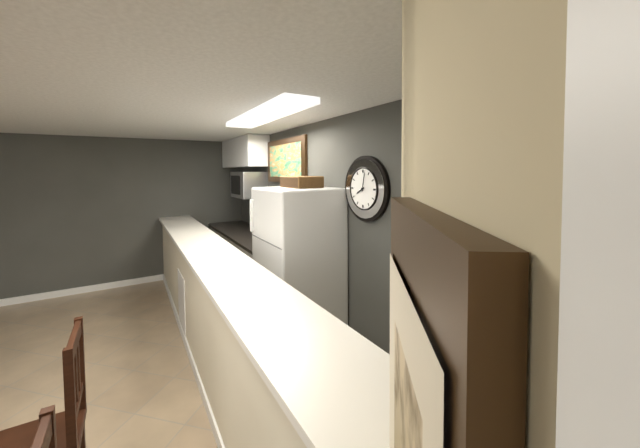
**8:02**
